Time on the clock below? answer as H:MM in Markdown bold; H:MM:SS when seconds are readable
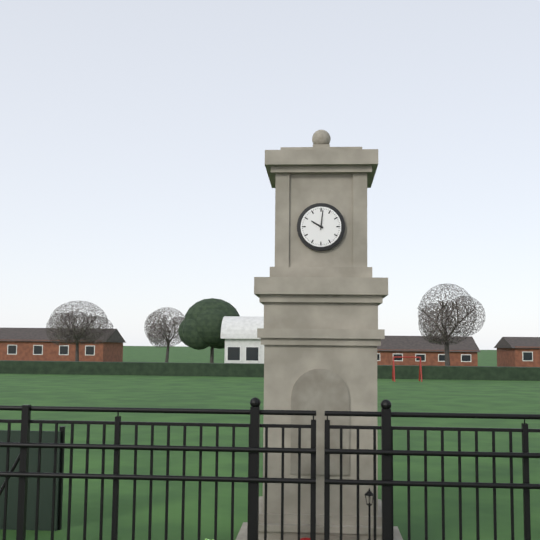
**10:01**
